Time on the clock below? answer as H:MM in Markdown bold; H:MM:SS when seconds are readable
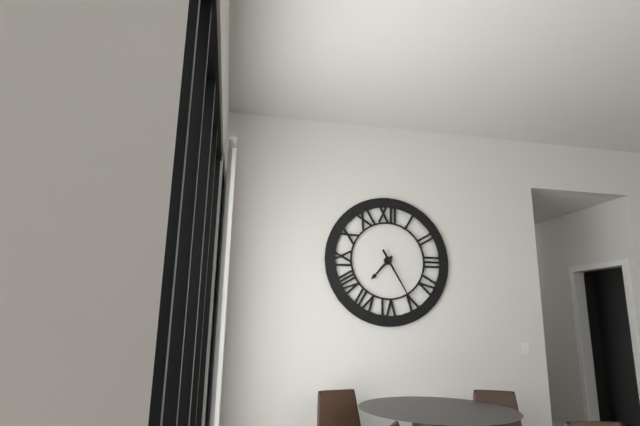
**7:25**
